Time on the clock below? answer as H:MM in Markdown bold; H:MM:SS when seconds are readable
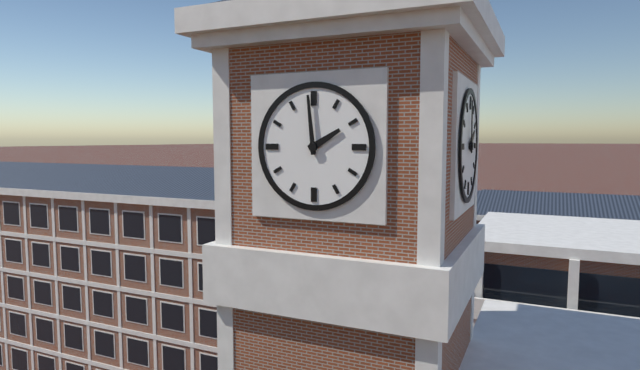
**1:59**
